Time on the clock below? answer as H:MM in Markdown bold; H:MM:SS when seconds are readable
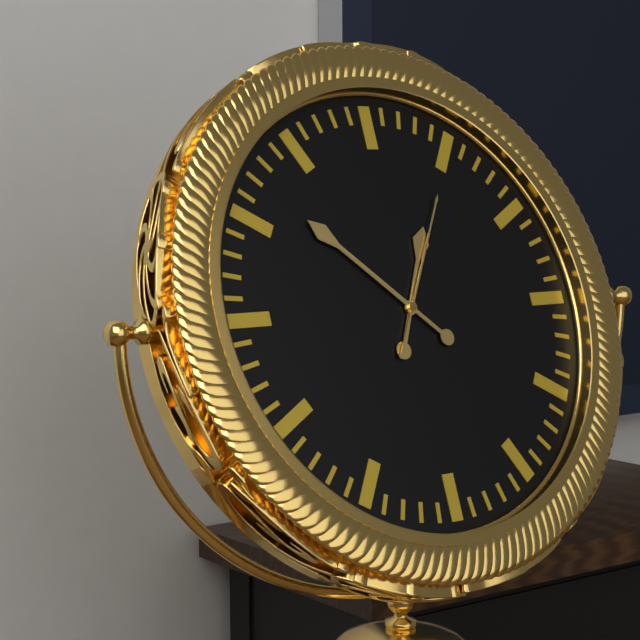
**12:52:05**
